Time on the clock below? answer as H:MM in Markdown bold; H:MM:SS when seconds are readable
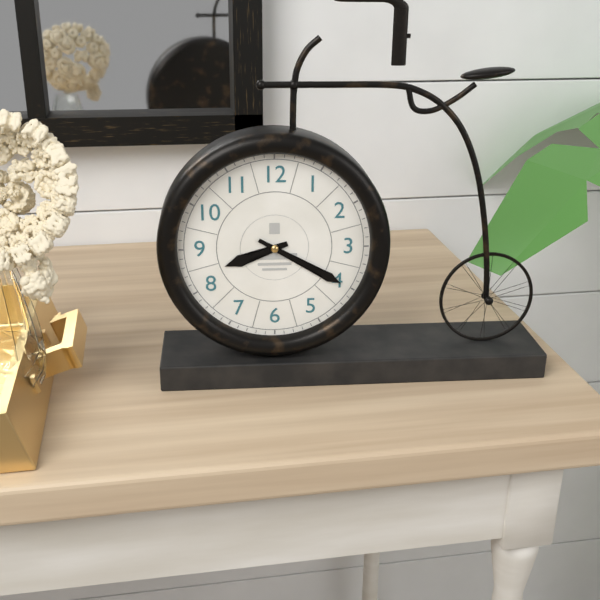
**8:20**
